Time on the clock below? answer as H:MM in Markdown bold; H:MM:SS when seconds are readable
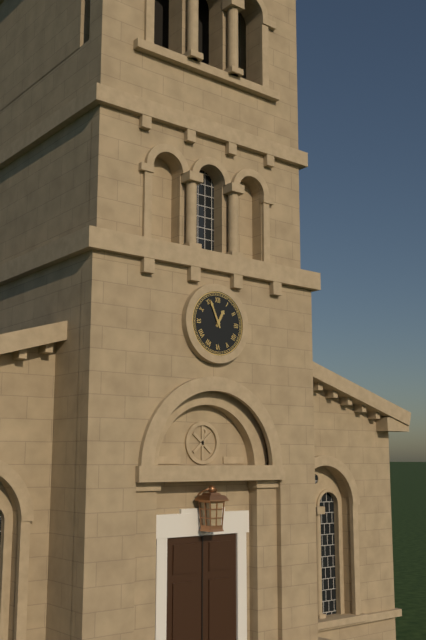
**12:56**
